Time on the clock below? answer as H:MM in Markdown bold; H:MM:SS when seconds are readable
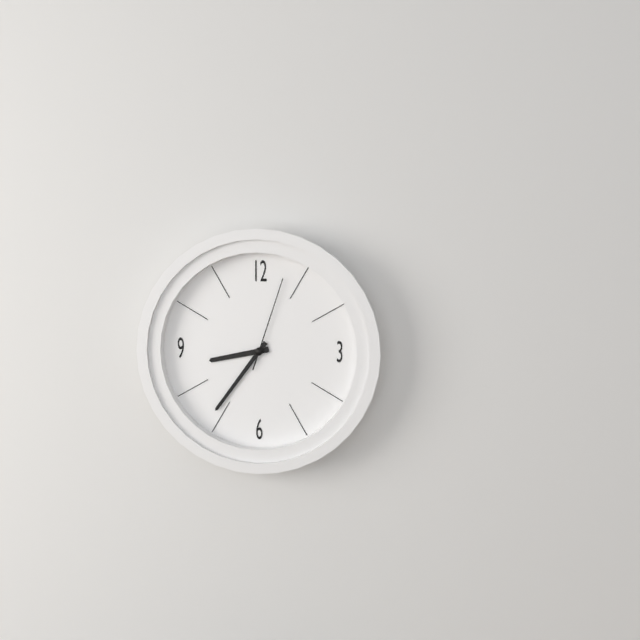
**8:36:03**
